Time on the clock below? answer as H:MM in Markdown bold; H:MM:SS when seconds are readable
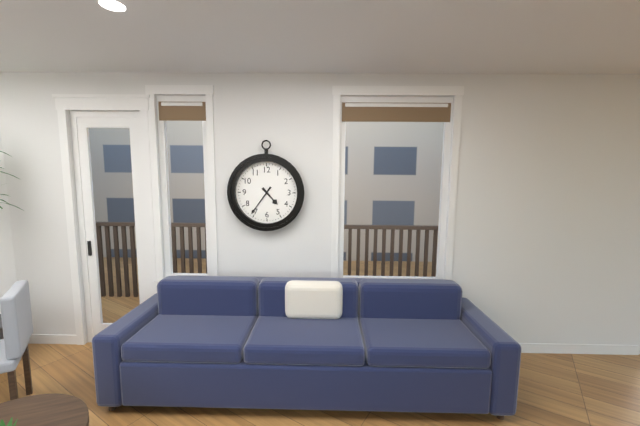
**4:36**
